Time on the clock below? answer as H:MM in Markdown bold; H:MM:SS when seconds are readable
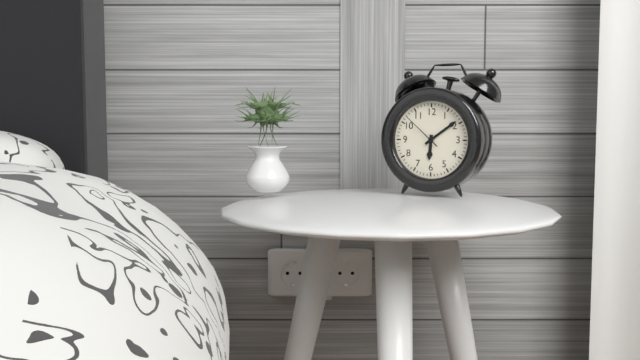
**6:09**
